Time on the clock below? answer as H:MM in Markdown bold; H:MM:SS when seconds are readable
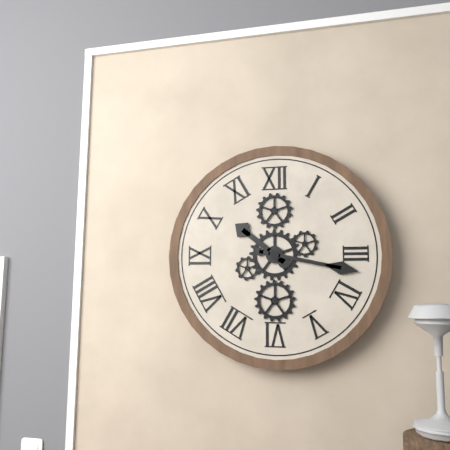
**10:17**
